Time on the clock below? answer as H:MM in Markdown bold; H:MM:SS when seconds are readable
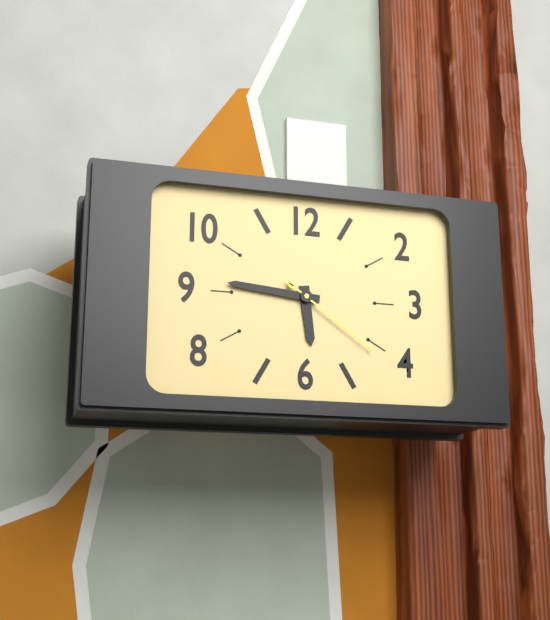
**5:46:21**
